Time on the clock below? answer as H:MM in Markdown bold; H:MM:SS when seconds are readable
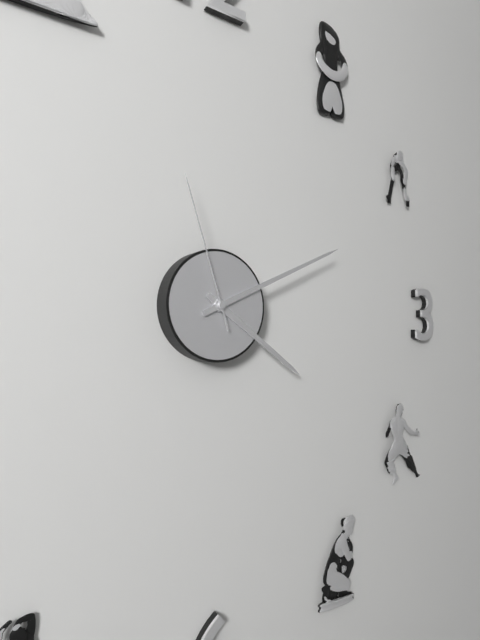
**4:11:57**
